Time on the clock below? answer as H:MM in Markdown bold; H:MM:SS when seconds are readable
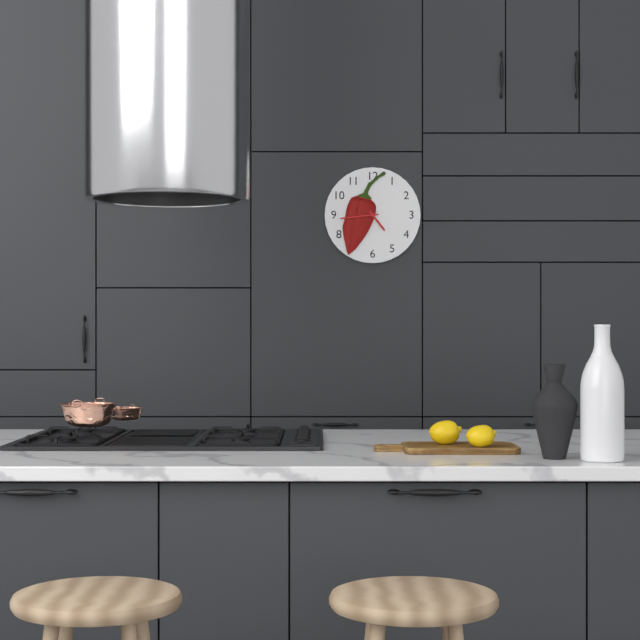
**4:44**
